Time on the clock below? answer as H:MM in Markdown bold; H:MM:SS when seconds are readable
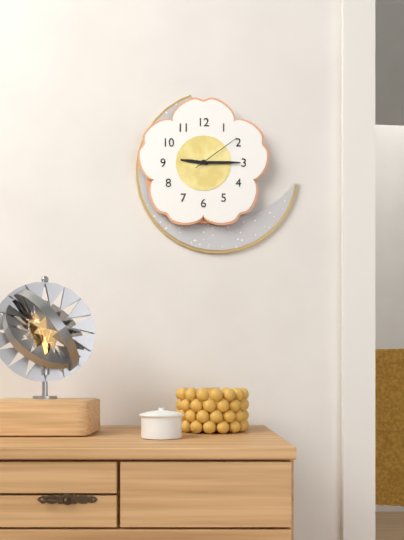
**9:15:09**
